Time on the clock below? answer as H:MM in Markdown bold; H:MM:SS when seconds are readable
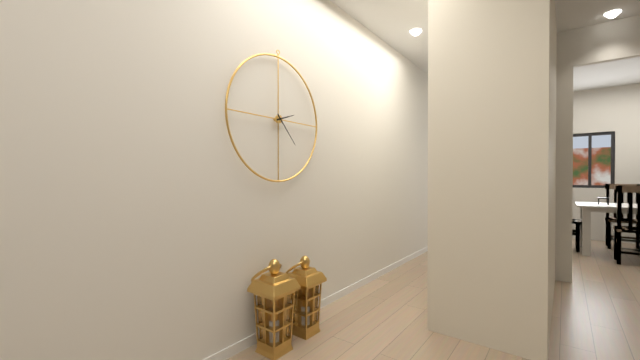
**2:23**
